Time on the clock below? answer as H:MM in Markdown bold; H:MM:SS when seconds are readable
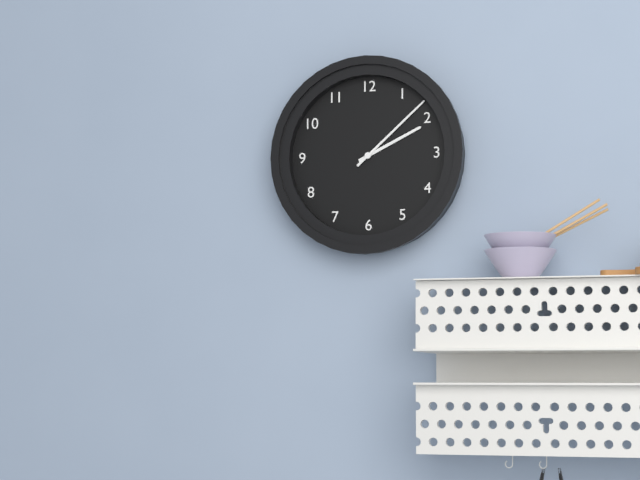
**2:08**
